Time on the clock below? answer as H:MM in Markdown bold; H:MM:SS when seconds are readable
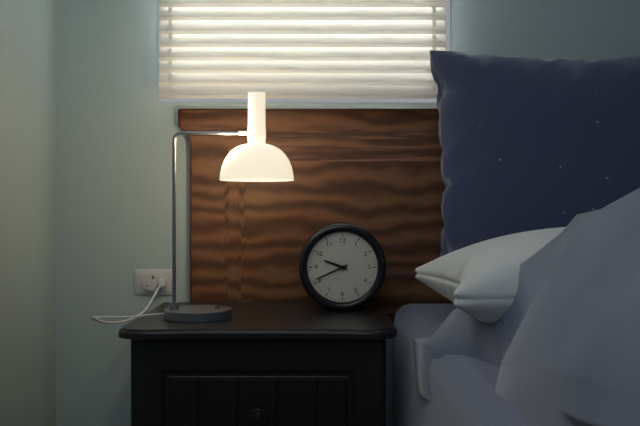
**9:41**
